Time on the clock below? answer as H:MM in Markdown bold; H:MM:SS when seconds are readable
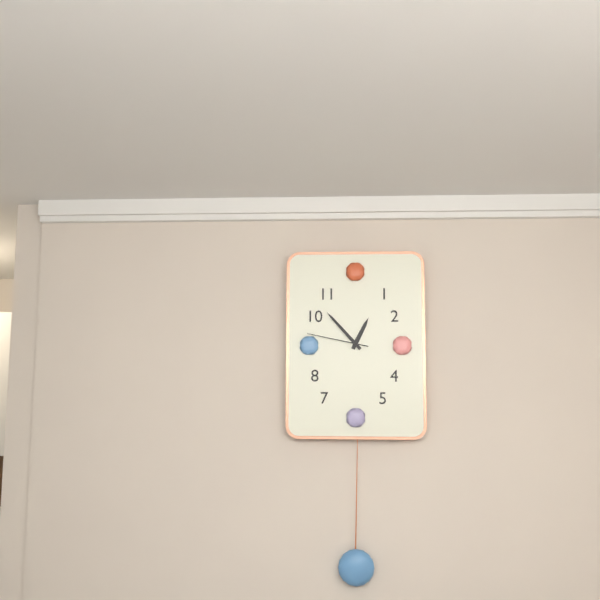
**12:53:47**
